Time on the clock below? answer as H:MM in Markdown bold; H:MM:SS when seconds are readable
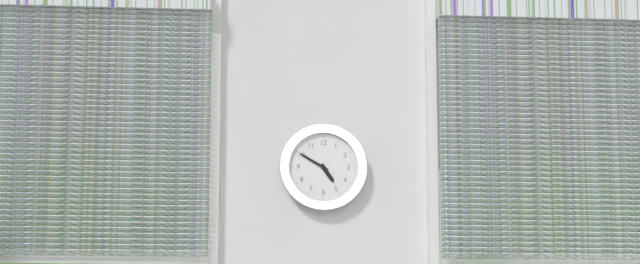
**4:50**
